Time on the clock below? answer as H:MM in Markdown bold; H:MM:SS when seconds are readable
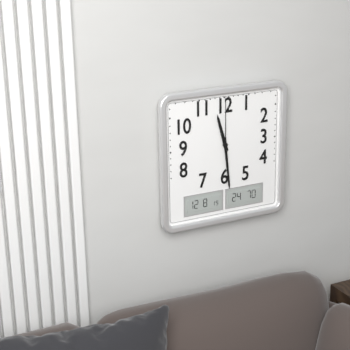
**11:29:00**
